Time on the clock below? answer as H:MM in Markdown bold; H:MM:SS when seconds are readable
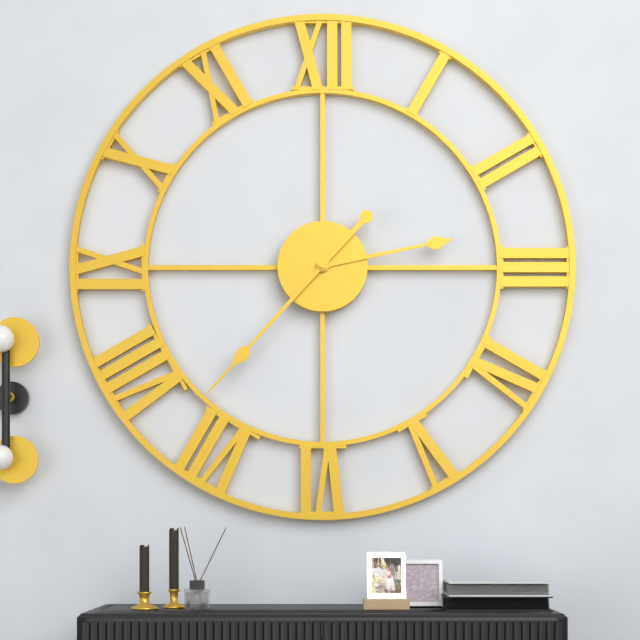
**2:37**
